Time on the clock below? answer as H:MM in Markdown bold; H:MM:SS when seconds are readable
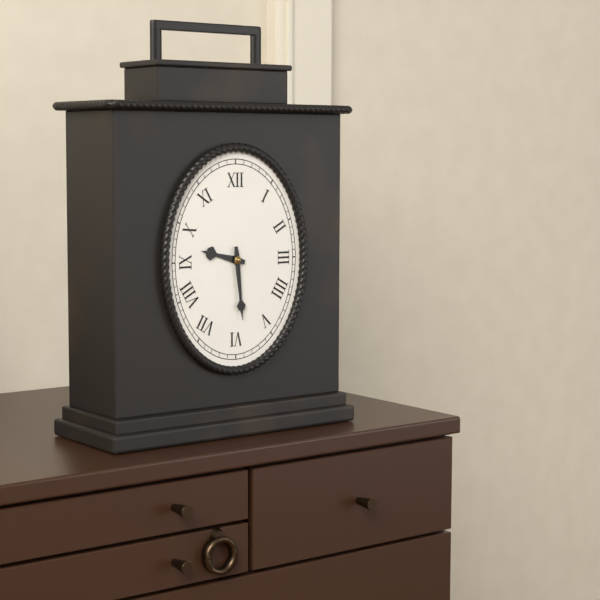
**9:29**
